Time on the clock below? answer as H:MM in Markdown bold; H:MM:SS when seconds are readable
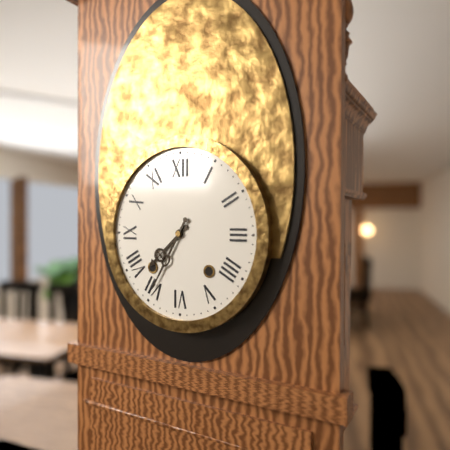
**7:35**
